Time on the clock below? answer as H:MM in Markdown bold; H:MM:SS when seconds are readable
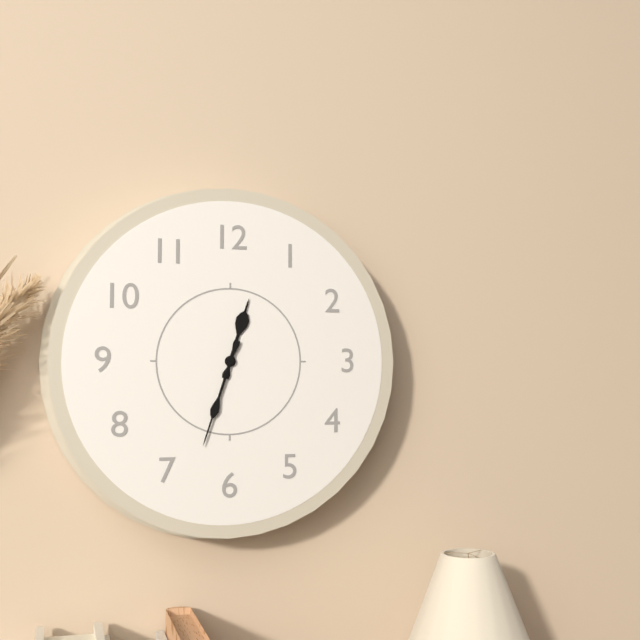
**12:33**
